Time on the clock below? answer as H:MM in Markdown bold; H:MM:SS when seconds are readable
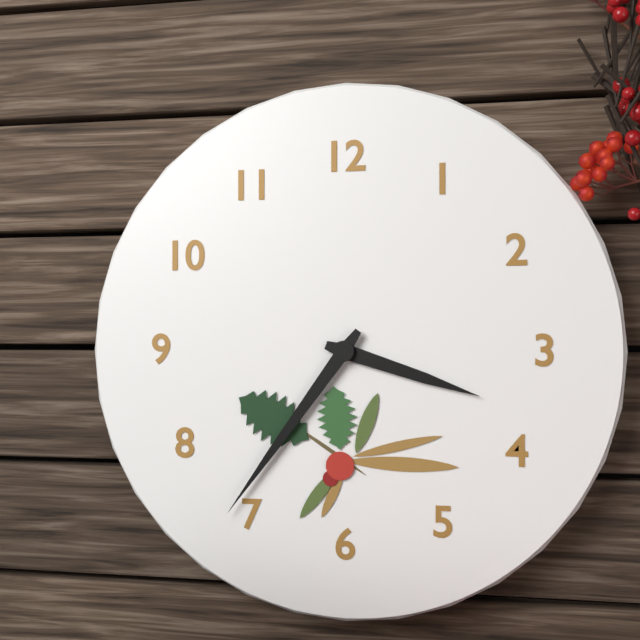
**3:36**
